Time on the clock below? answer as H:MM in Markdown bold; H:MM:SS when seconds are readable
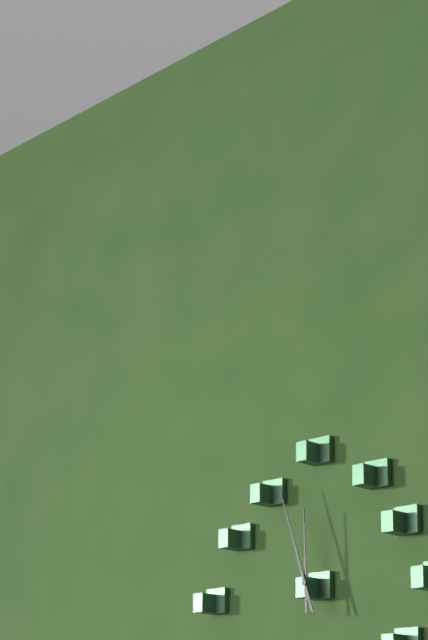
**11:57**
